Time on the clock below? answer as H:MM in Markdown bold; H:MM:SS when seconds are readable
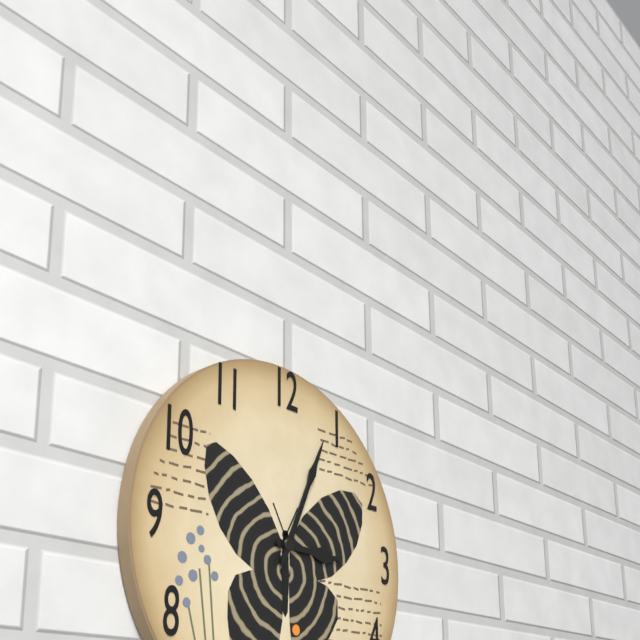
**3:04**
